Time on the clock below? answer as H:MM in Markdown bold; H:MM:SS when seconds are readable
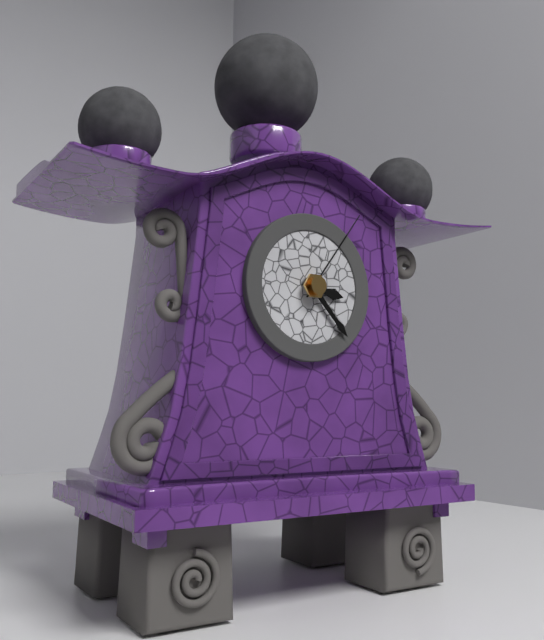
**3:23:06**
